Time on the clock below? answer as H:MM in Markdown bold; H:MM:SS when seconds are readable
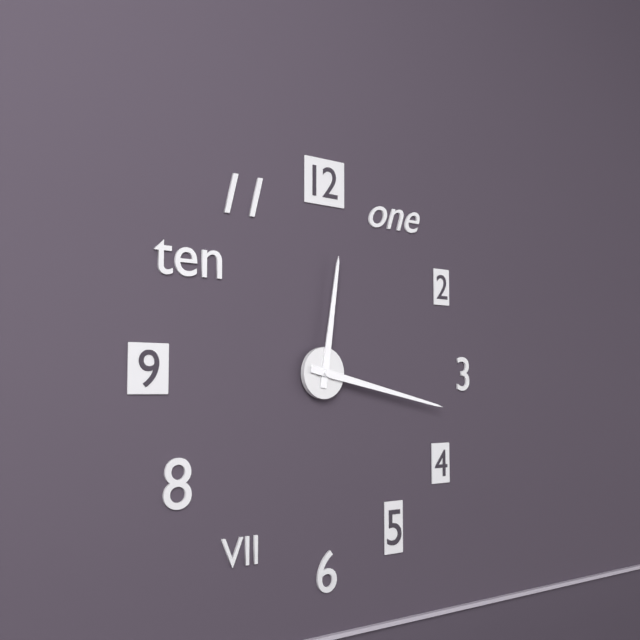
**12:17**
